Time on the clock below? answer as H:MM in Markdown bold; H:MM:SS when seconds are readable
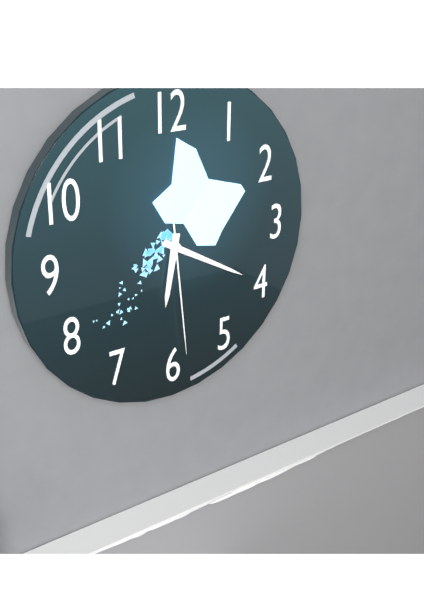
**6:20:29**
